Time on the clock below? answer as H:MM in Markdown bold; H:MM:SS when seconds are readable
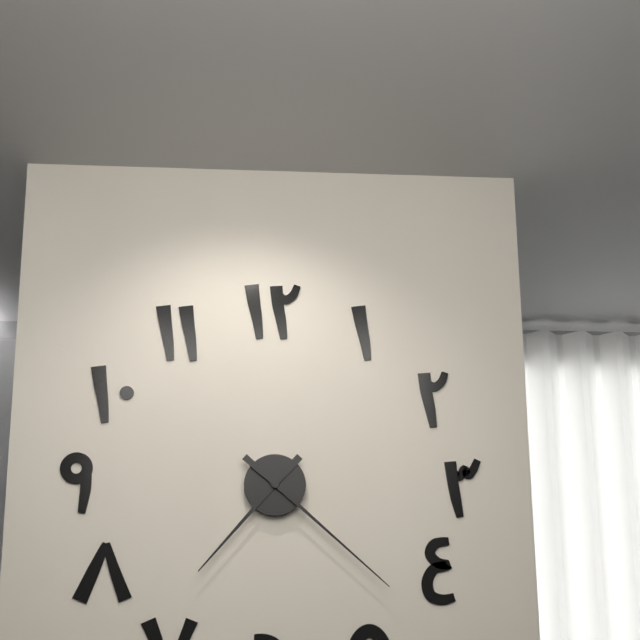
**7:22**
